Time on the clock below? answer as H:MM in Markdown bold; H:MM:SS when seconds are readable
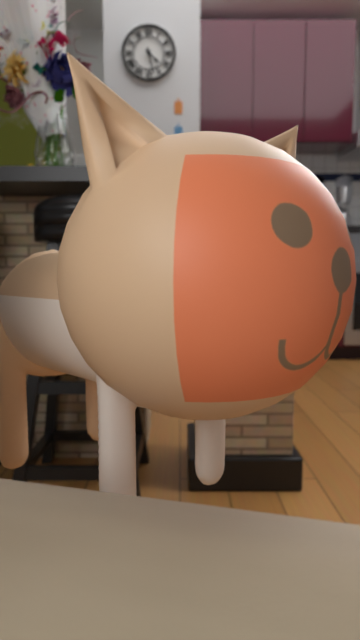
**4:28**
